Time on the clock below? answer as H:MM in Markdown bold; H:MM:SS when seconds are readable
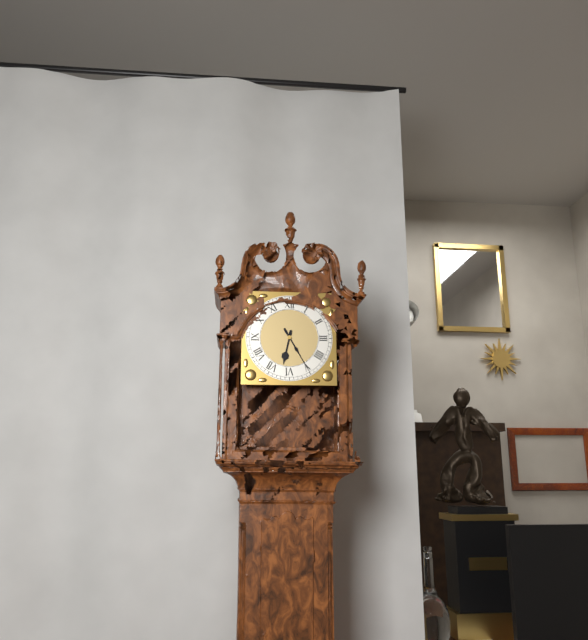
**6:25**
